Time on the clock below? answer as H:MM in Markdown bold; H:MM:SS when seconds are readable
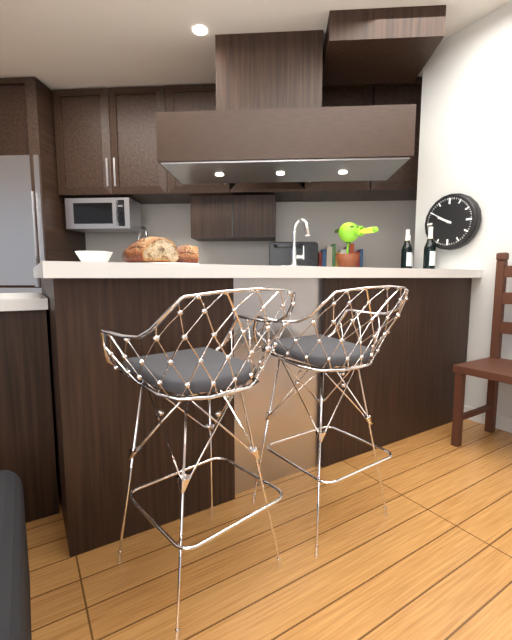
**9:50**
